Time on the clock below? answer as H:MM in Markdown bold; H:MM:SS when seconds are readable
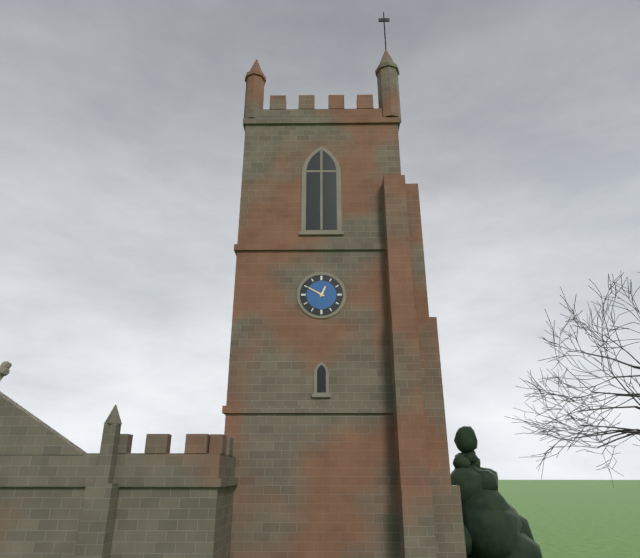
**12:50**
